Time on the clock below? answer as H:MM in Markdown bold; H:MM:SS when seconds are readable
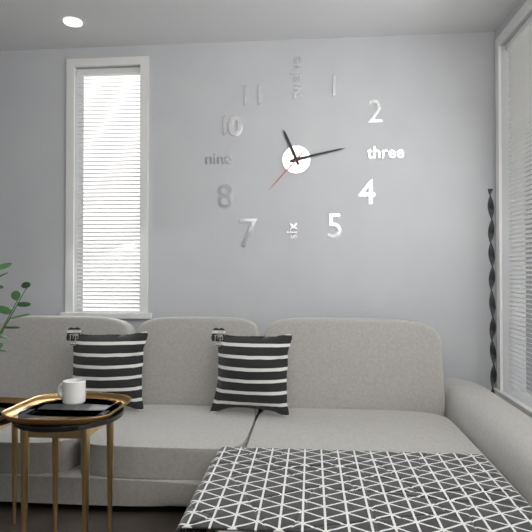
**11:13:37**
